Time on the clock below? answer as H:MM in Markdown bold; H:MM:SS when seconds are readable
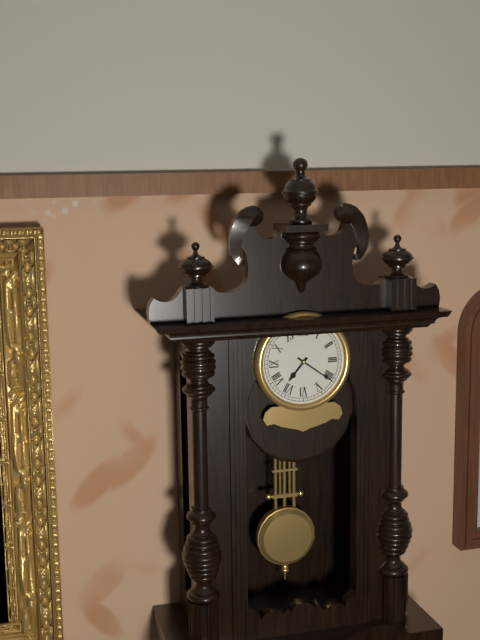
**7:21**
